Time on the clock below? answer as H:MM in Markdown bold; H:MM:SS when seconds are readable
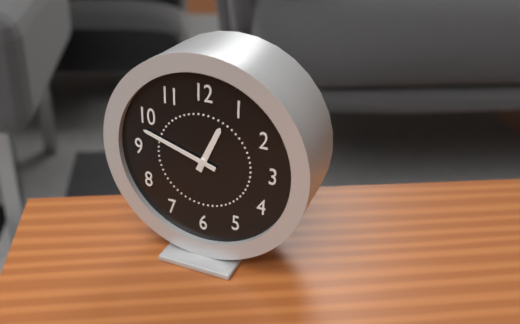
**12:48**
